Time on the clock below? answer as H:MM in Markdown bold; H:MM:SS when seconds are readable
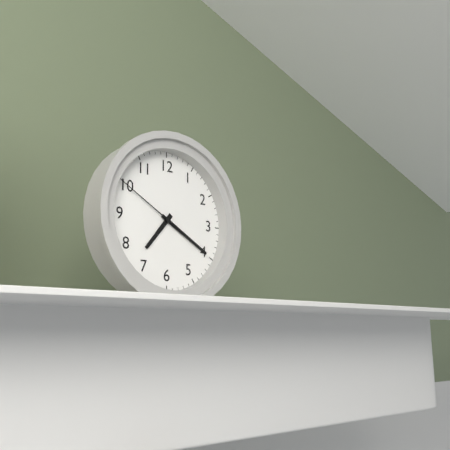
**7:20:50**
